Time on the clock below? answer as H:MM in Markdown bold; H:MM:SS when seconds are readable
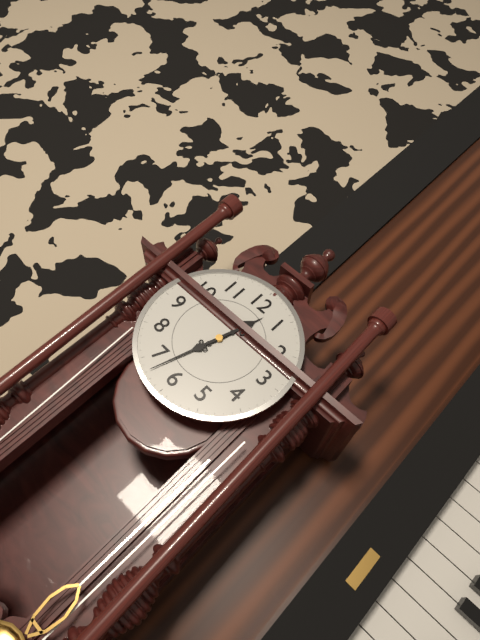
**12:33**
